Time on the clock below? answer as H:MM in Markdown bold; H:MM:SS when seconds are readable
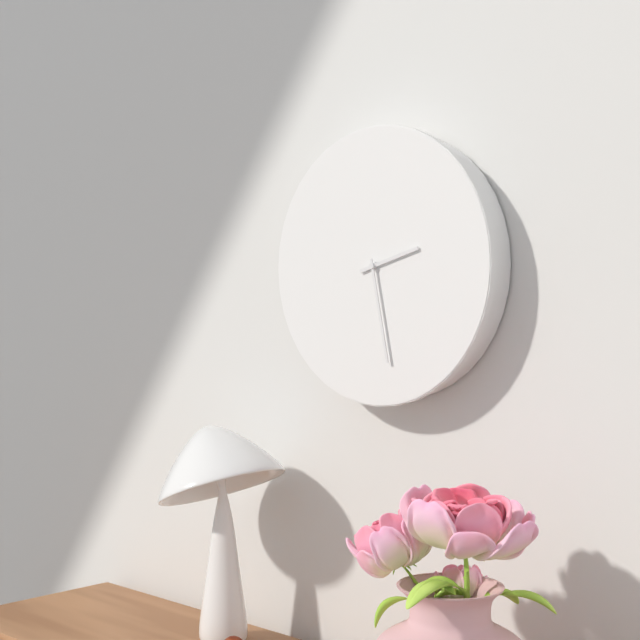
**2:28**
